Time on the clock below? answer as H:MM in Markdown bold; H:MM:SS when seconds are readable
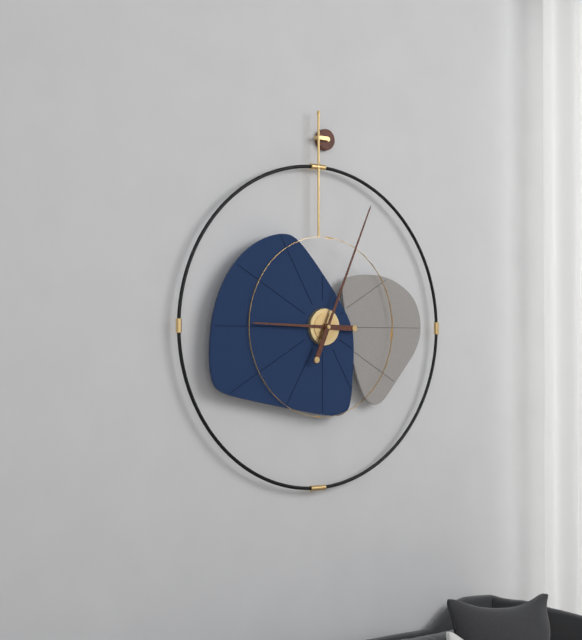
**9:04**
